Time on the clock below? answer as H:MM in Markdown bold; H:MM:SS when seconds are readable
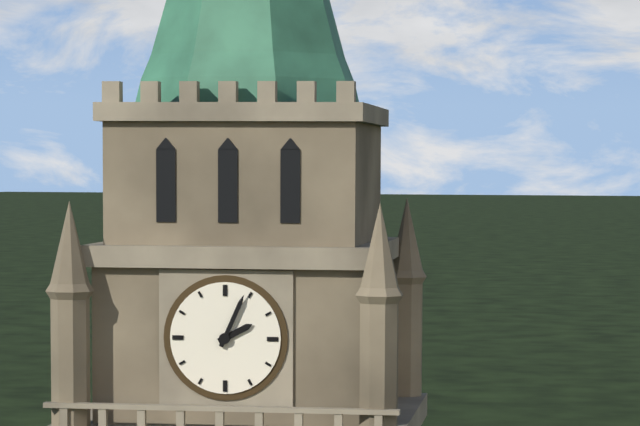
**2:04**
